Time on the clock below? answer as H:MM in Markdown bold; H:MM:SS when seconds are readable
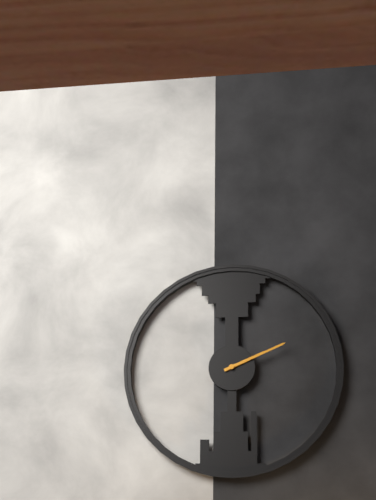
**2:11**
